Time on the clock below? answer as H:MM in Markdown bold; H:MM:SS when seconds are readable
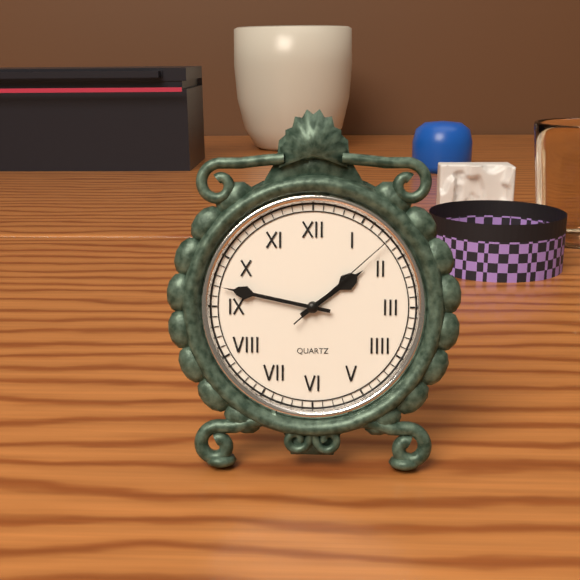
**1:47:08**
